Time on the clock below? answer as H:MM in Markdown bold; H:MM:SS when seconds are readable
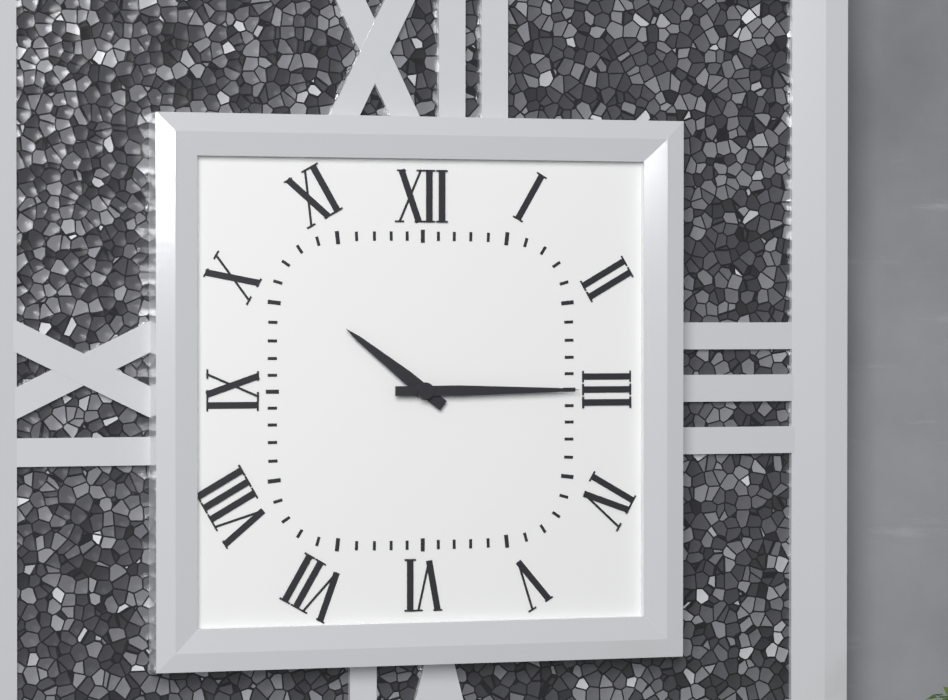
**10:15**
